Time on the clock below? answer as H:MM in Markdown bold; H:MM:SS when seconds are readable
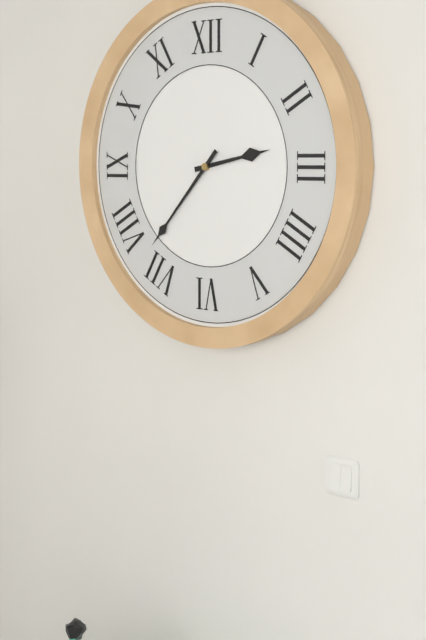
**2:37**
